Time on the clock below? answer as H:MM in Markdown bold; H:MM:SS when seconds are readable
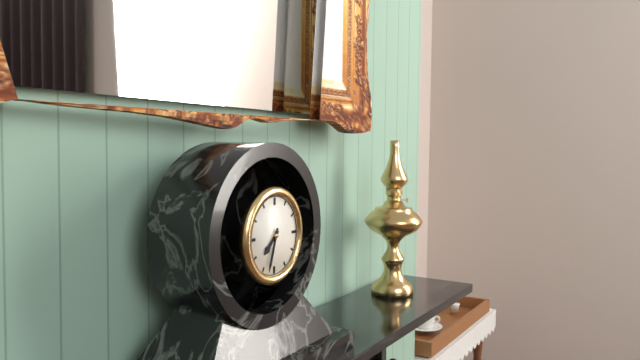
**7:33**
